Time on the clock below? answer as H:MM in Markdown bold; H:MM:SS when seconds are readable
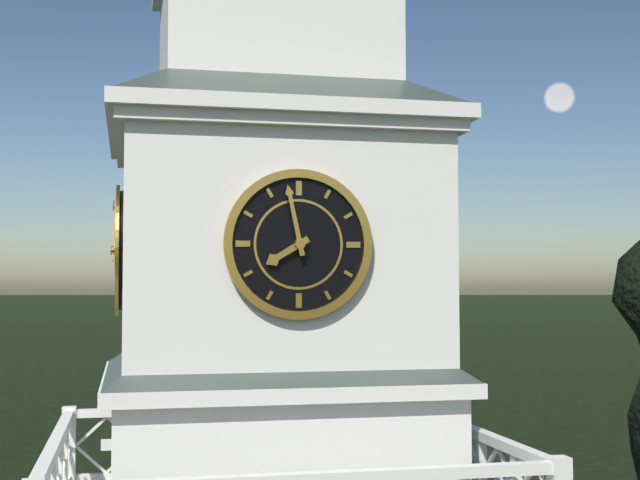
**7:58**
